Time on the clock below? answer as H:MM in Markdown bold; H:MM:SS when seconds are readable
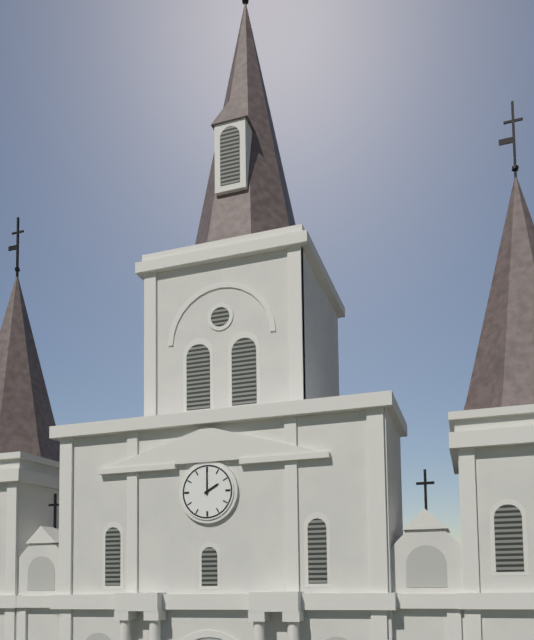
**2:00**
